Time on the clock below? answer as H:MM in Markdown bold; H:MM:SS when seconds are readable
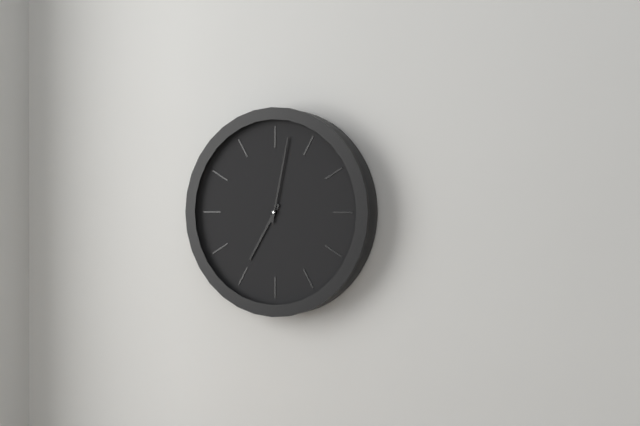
**7:02**
